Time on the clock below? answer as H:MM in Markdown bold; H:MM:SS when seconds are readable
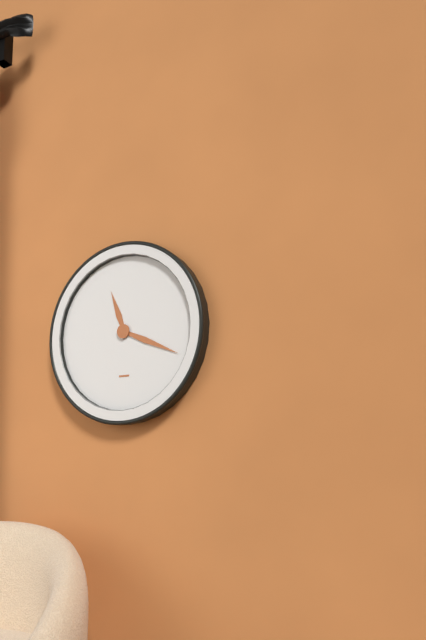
**11:19**
